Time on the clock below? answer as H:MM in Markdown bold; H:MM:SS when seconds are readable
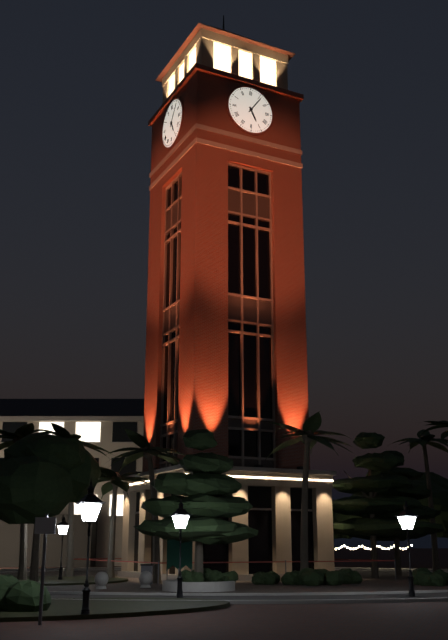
**5:06**
